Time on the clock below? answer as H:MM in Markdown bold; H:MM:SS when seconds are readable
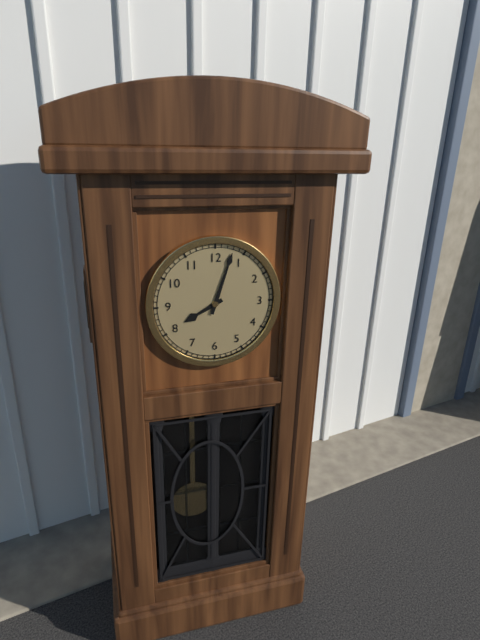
**8:03**
